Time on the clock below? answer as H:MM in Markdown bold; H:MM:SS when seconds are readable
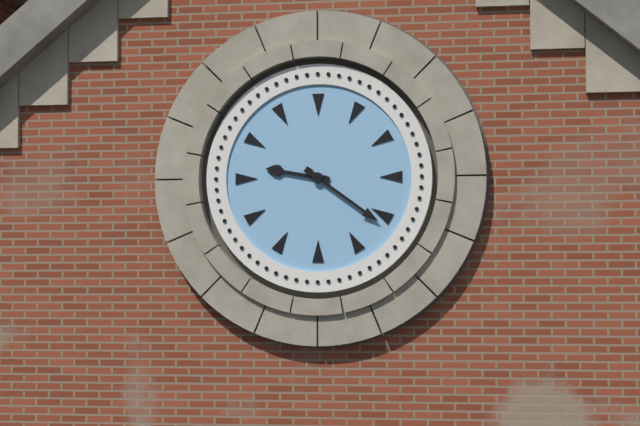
**9:21**
